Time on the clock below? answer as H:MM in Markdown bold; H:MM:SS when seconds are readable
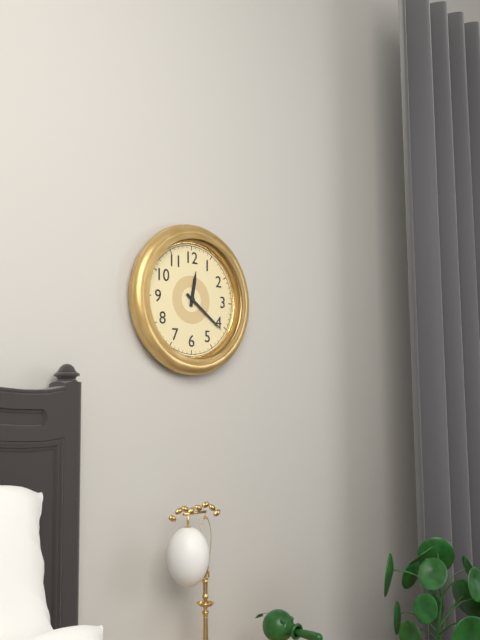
**12:21**
